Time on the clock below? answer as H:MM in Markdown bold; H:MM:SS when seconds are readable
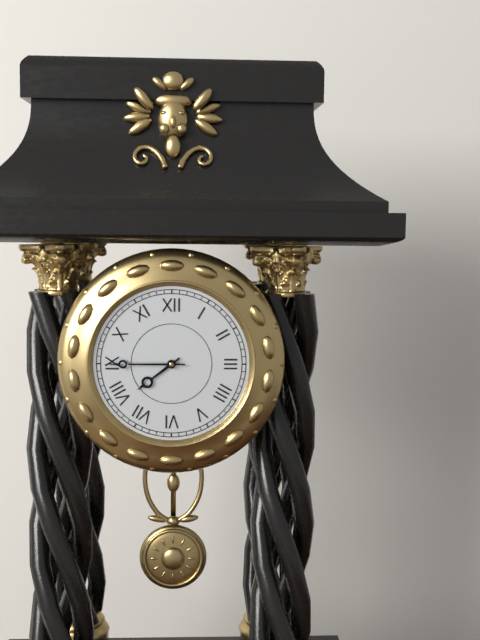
**7:45**
